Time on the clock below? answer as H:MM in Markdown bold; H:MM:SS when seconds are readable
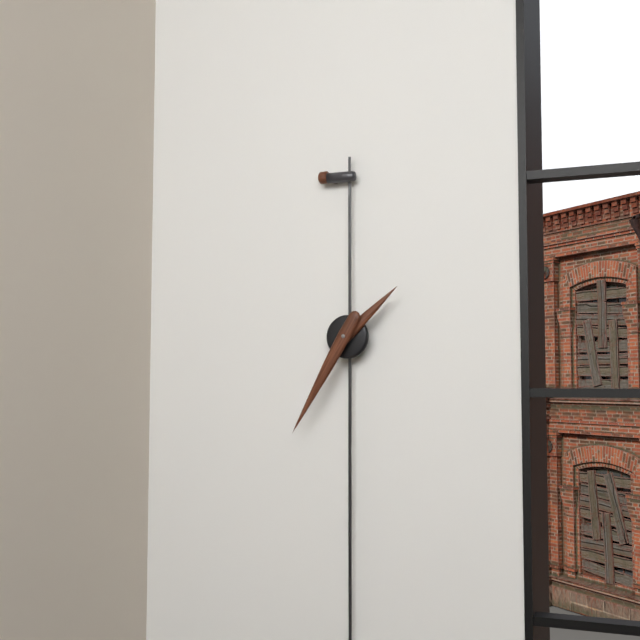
**1:35**
